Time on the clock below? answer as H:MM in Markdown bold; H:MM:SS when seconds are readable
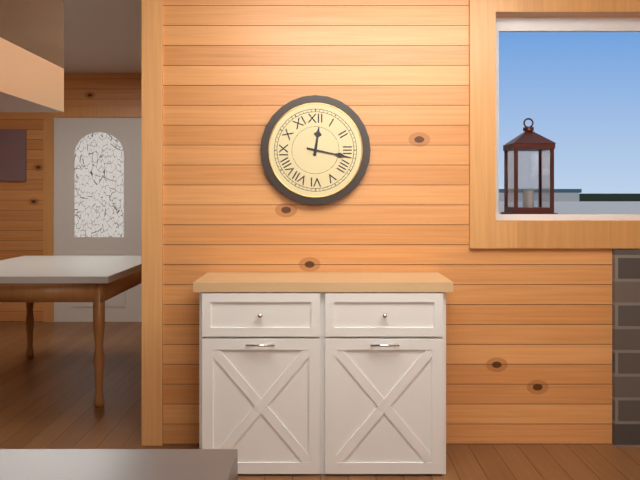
**12:17**
